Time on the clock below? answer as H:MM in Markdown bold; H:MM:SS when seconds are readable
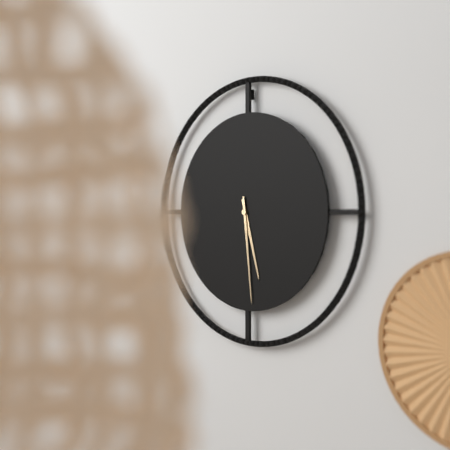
**5:29**
